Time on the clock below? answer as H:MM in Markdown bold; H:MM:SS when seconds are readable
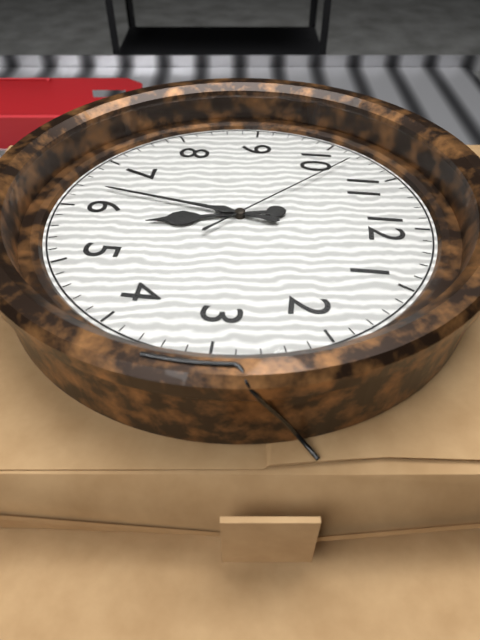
**5:32:52**
